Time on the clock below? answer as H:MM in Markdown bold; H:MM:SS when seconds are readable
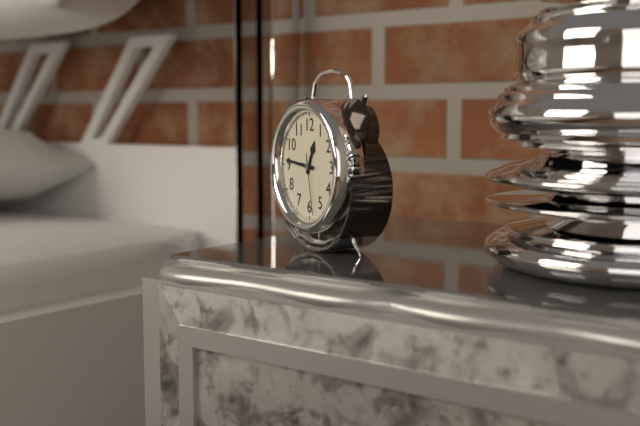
**12:46:28**
